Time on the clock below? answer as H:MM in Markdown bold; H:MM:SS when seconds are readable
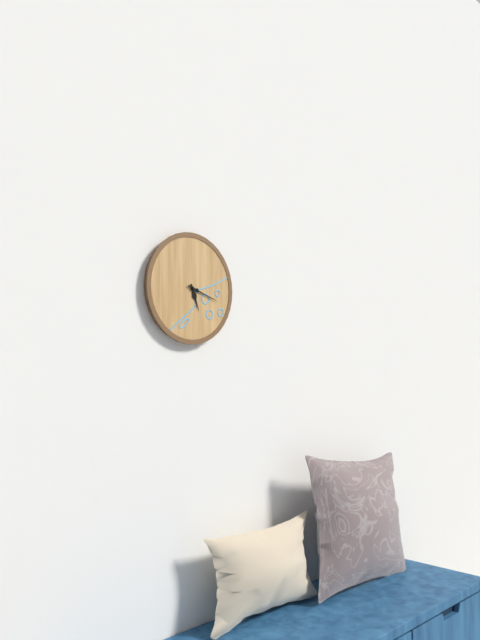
**5:18**
